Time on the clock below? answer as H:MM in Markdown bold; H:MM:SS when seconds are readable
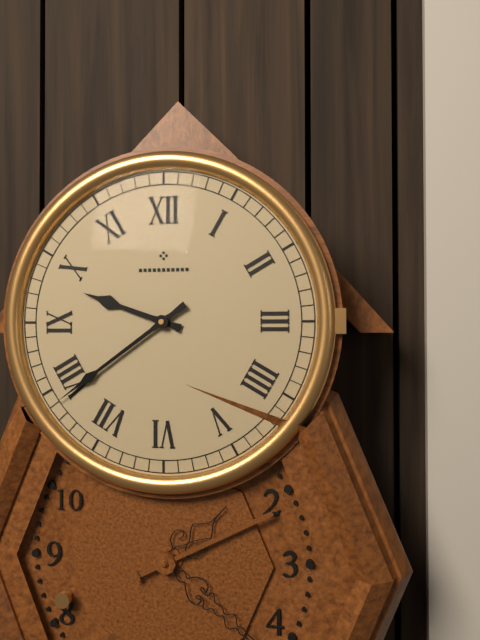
**9:39**
